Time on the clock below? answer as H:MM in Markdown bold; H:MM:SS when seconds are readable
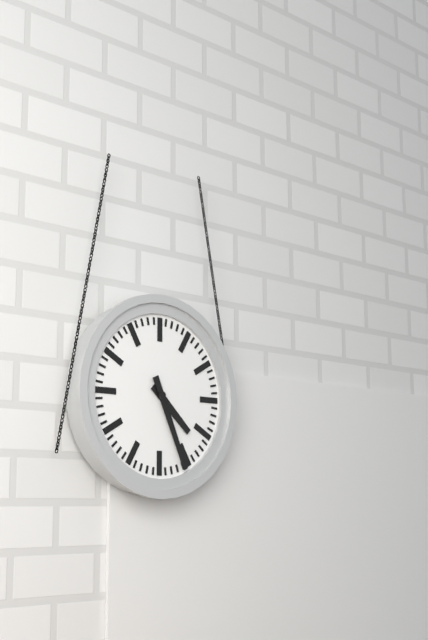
**4:26**
